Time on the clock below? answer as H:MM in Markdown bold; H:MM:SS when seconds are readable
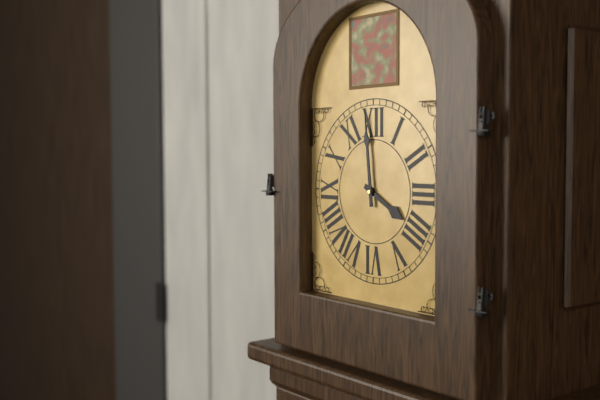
**3:59**
